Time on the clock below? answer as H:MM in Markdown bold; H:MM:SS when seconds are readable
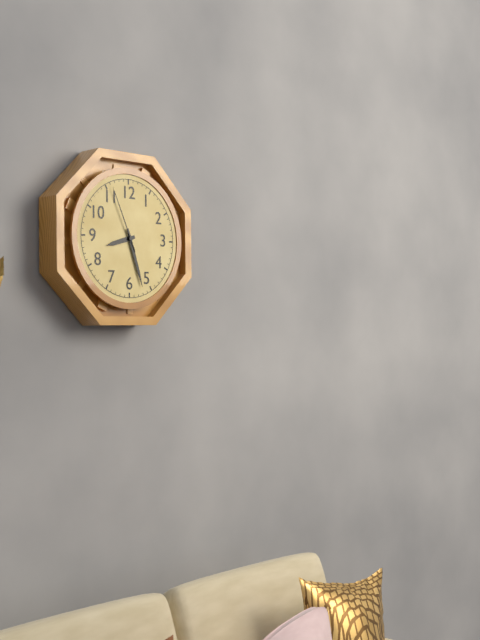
**8:27:56**
